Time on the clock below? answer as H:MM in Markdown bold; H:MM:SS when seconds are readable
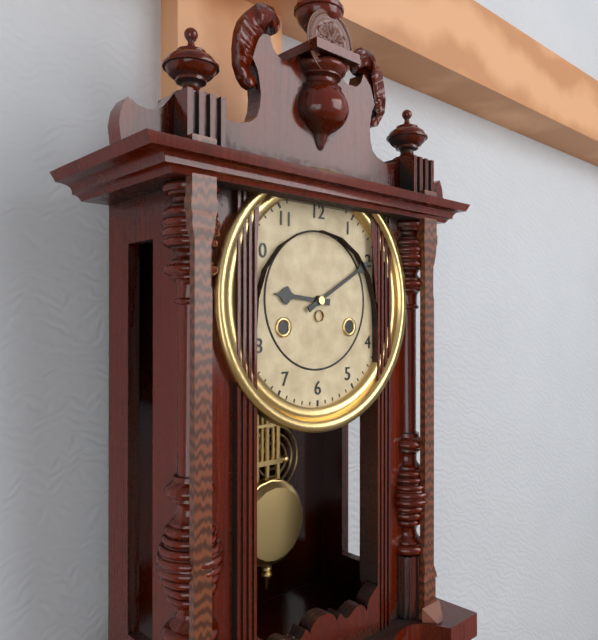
**9:10**
